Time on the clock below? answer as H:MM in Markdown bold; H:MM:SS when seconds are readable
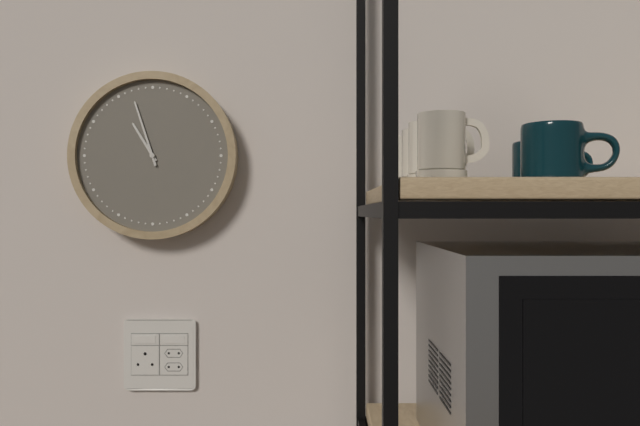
**10:57**
